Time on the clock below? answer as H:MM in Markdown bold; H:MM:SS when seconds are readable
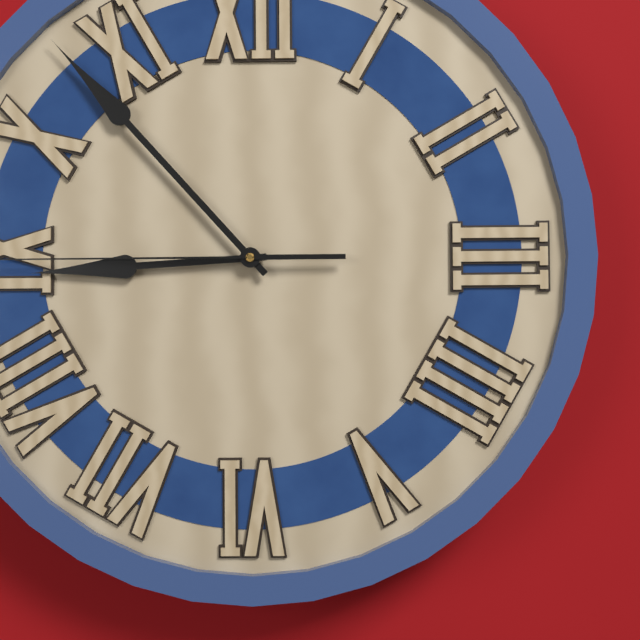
**8:53**
